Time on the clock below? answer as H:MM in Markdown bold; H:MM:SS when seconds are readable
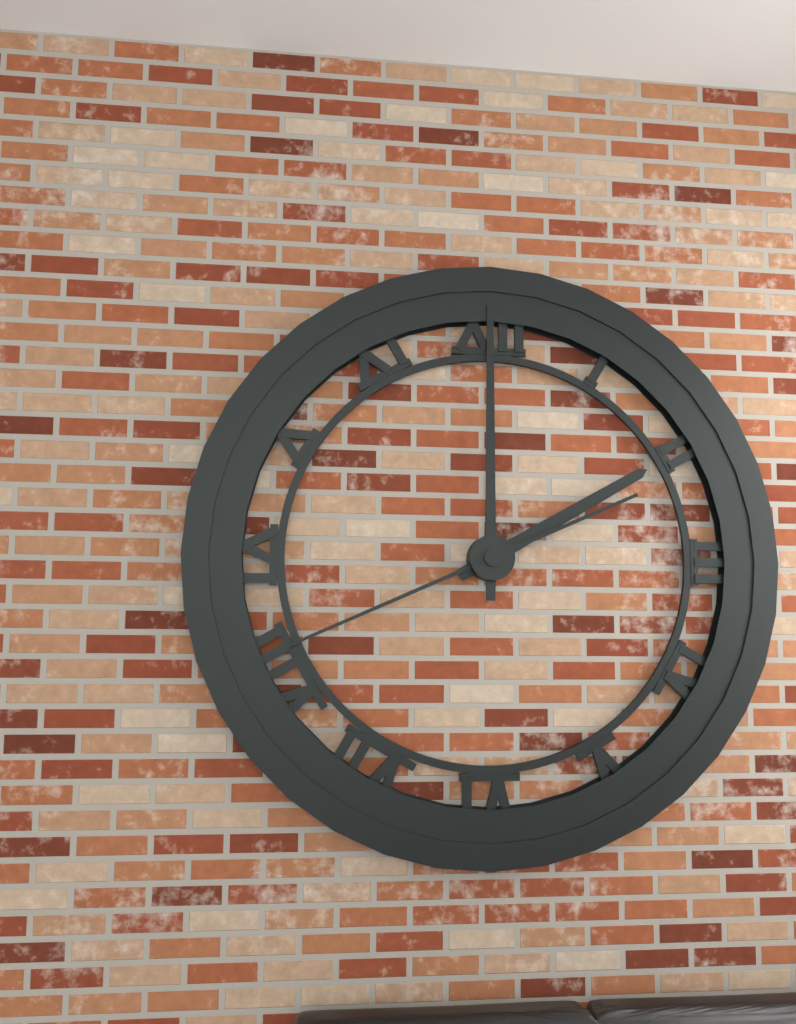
**2:00:41**
